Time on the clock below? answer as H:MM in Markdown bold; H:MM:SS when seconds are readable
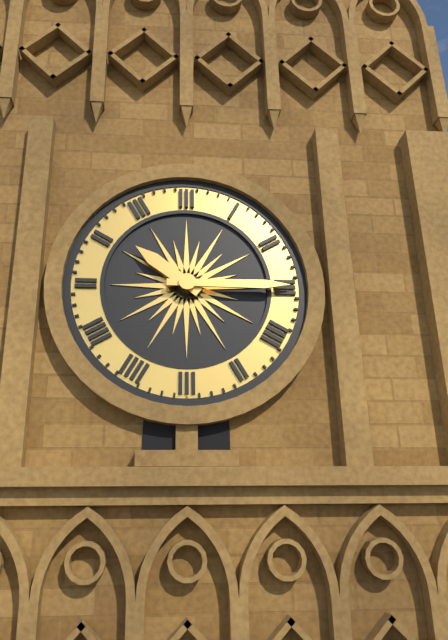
**10:15**
